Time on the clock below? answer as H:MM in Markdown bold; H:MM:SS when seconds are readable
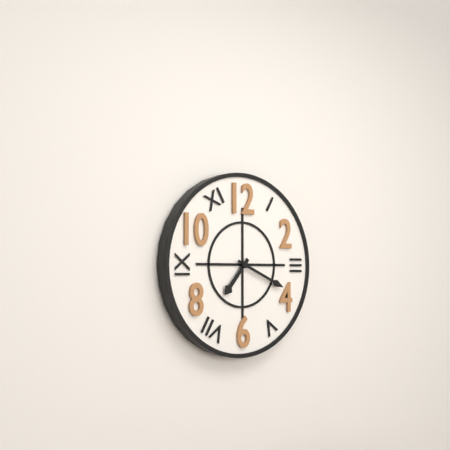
**7:19**
